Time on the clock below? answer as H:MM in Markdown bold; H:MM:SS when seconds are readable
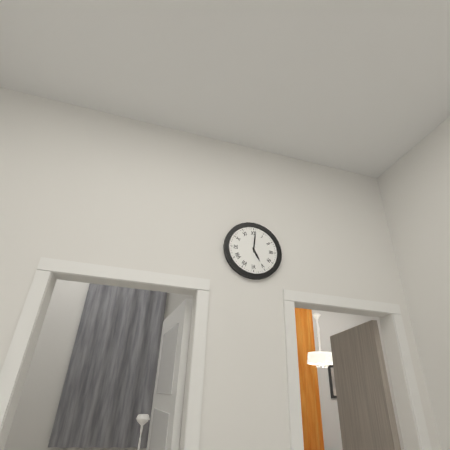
**5:01**
